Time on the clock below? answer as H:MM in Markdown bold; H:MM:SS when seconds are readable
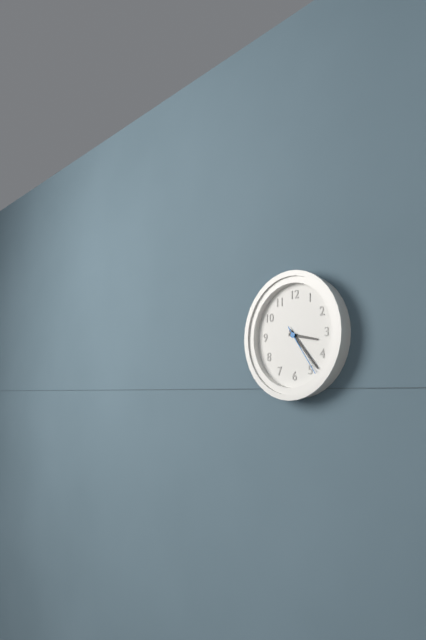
**3:23:24**
